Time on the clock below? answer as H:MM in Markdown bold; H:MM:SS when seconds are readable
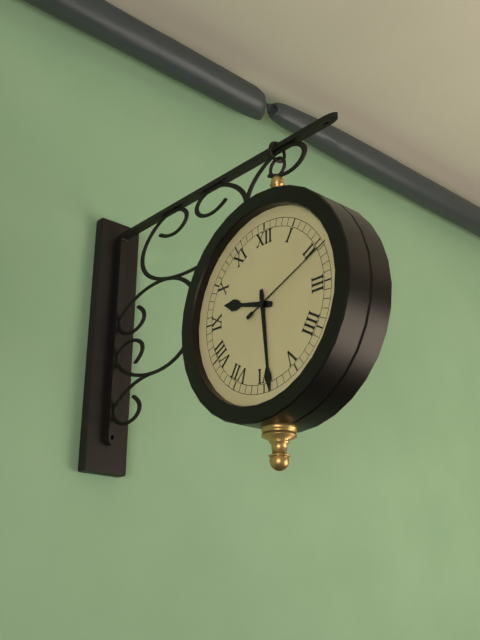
**9:29:11**
